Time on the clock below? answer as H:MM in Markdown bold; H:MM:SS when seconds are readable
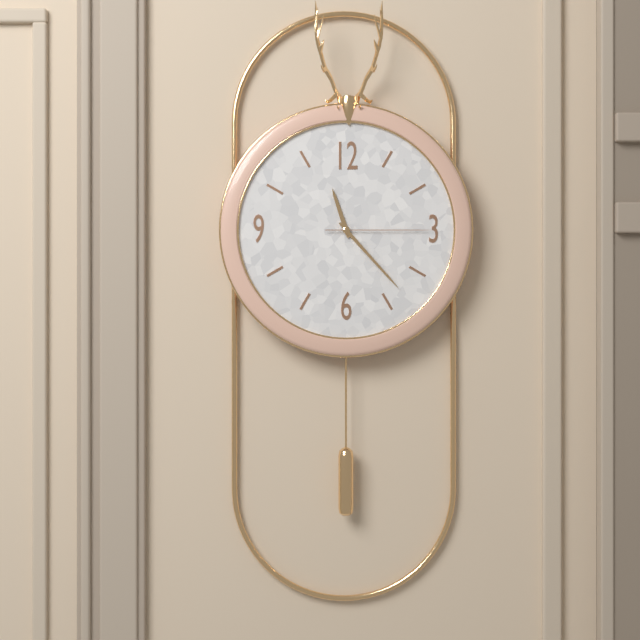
**11:23:15**
